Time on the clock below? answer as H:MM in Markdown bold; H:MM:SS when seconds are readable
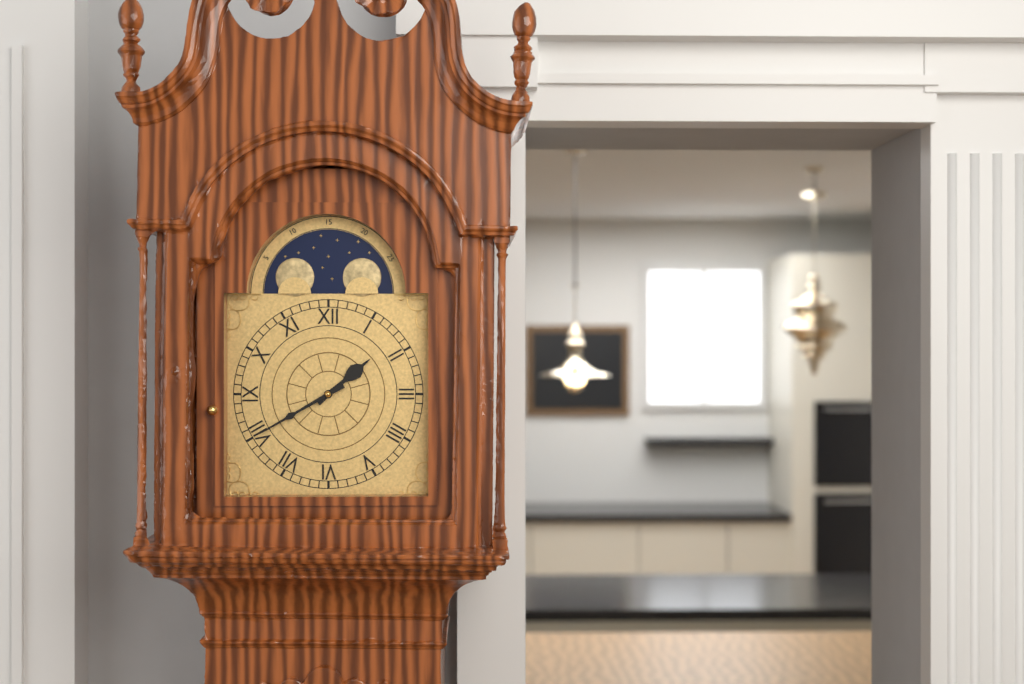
**1:40**
